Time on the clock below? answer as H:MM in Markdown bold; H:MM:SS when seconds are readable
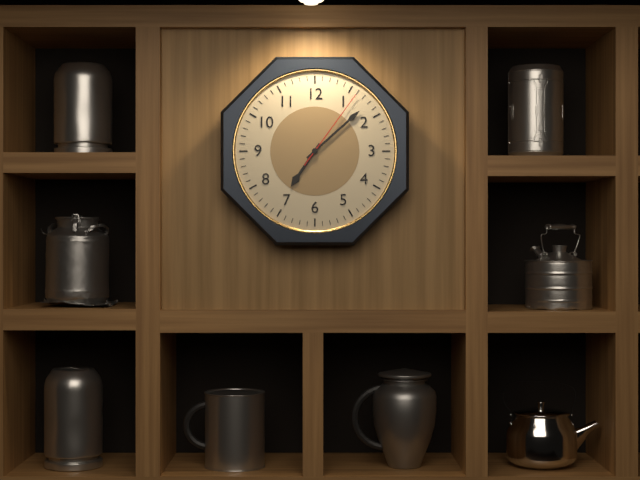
**7:08:06**
